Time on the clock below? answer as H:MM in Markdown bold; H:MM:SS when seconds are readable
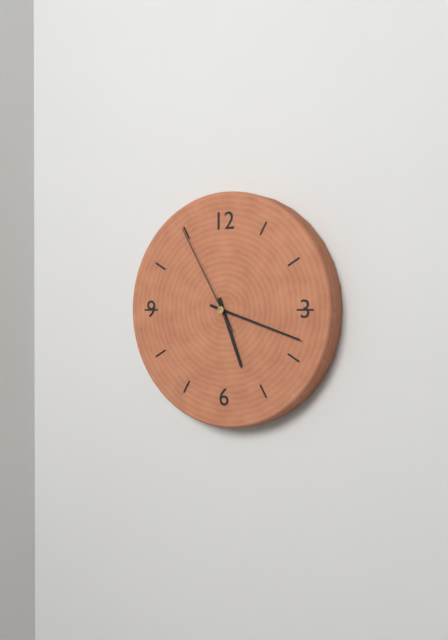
**5:18:55**
